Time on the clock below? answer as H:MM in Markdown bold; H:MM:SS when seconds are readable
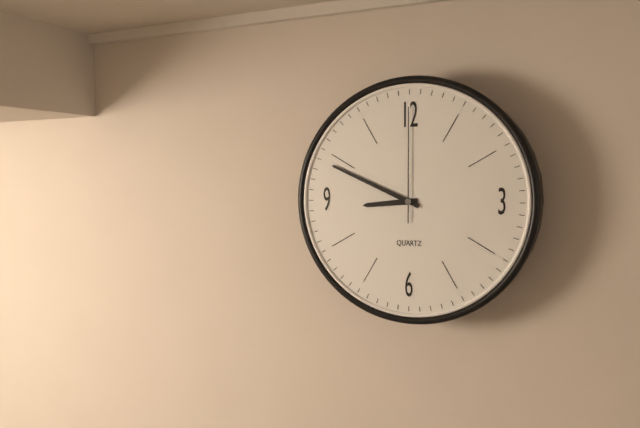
**8:49:00**
